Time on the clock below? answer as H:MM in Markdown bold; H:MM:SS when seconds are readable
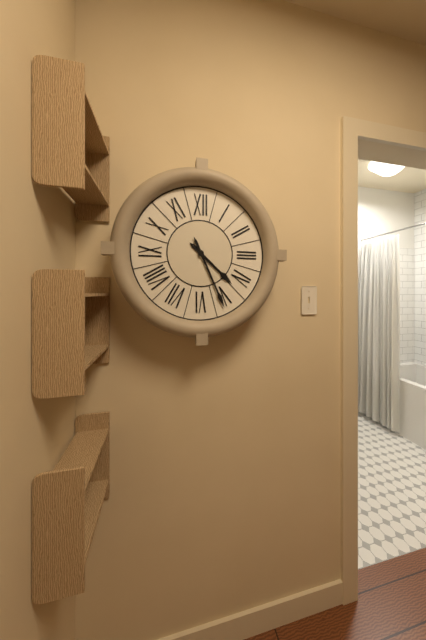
**4:26**
